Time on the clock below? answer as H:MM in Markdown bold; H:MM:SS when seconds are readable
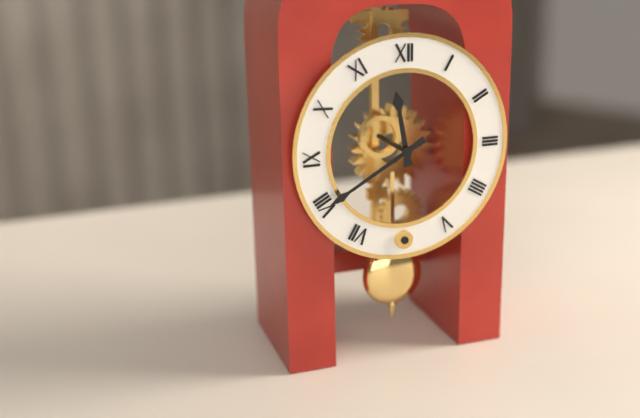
**11:40**
